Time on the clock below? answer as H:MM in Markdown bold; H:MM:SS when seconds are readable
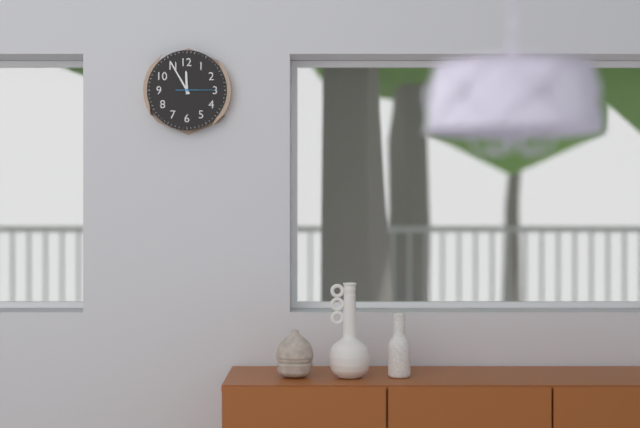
**11:55**
